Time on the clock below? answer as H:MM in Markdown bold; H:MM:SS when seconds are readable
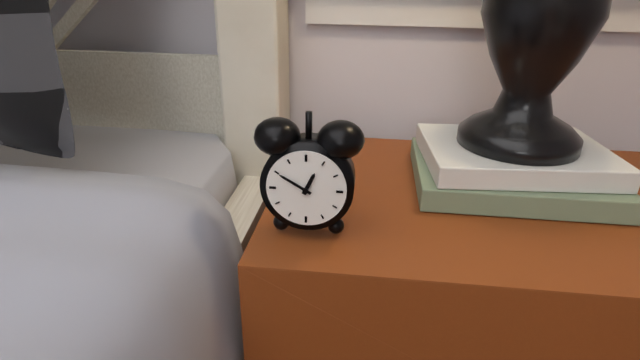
**12:50**
